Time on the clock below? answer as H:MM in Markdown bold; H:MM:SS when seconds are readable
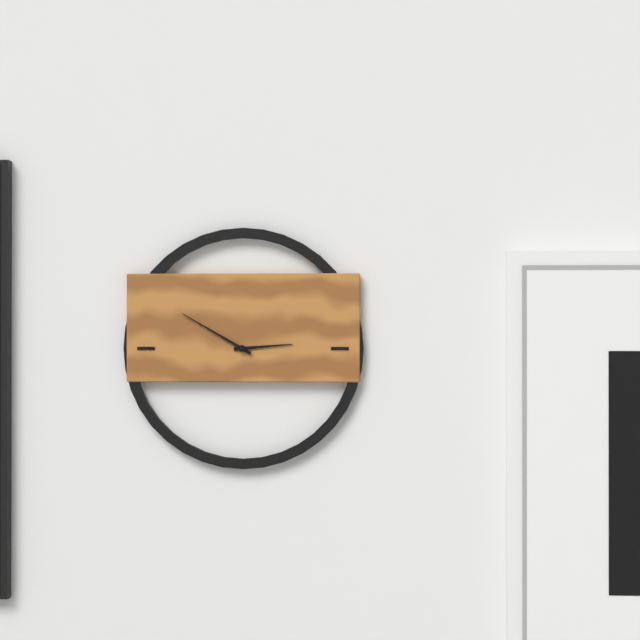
**2:50**
